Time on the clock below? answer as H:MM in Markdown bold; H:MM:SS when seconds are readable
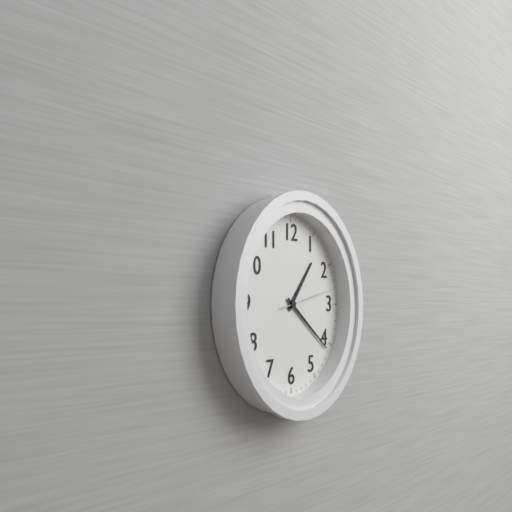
**1:21:13**
